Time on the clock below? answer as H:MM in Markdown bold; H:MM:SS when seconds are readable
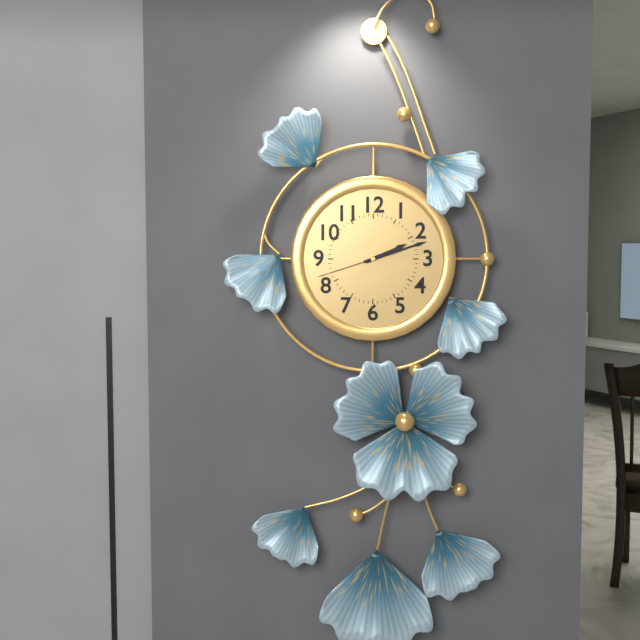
**2:12:42**
